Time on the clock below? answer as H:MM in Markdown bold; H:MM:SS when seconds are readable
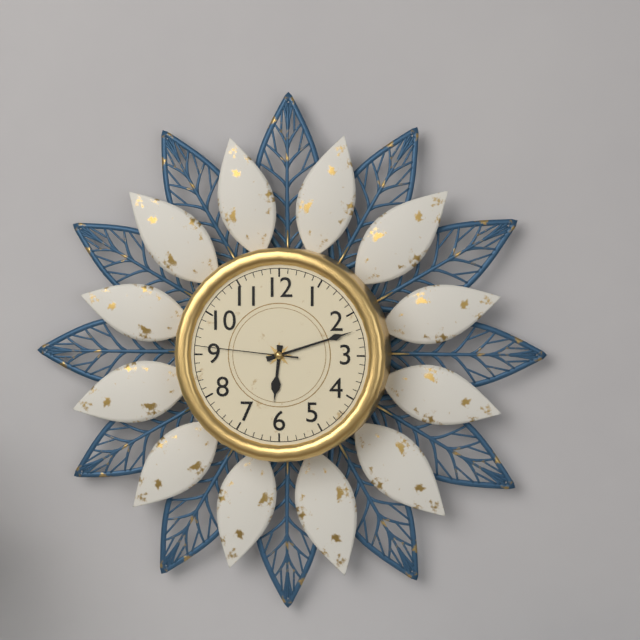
**6:12:46**
